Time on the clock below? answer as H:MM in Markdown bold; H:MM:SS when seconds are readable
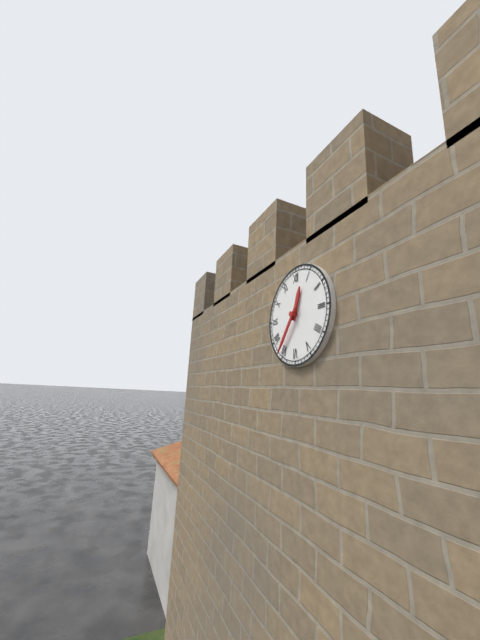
**12:36**
